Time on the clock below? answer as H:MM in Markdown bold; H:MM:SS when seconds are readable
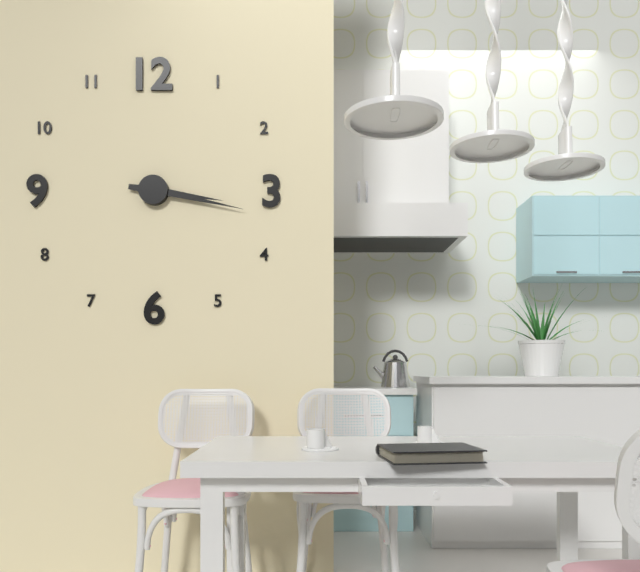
**3:17**
